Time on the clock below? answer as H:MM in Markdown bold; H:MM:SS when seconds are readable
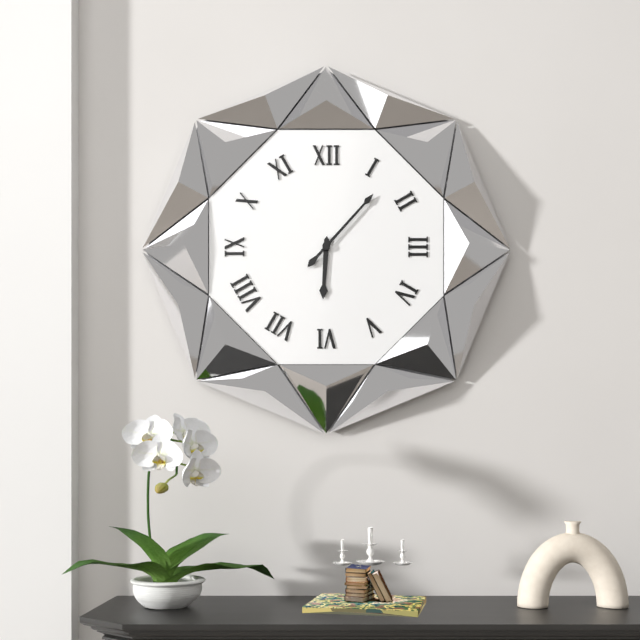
**6:07**
